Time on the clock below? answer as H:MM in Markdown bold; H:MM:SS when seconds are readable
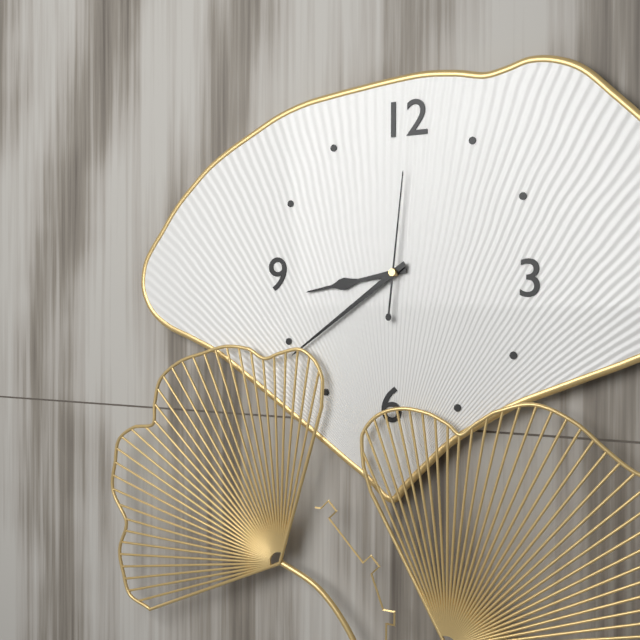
**8:39:01**
